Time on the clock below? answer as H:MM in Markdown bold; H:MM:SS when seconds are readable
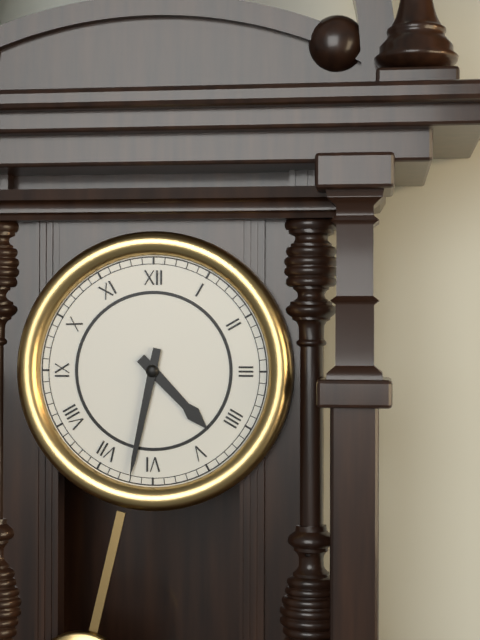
**4:32**
